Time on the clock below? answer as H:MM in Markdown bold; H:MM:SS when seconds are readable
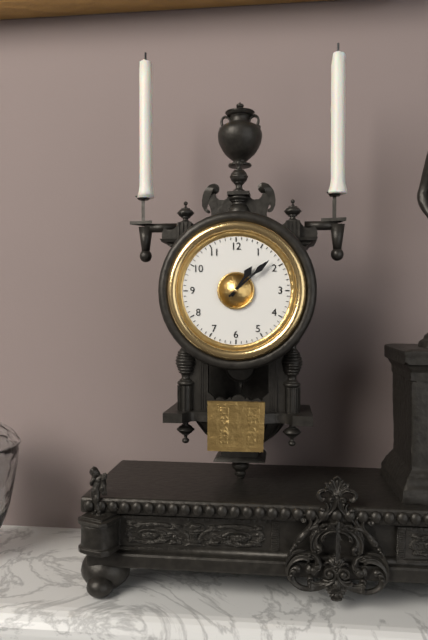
**1:08**
